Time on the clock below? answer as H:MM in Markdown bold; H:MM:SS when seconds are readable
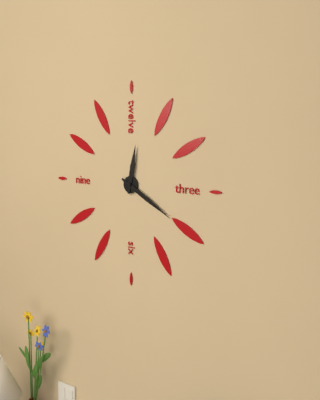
**12:20**
